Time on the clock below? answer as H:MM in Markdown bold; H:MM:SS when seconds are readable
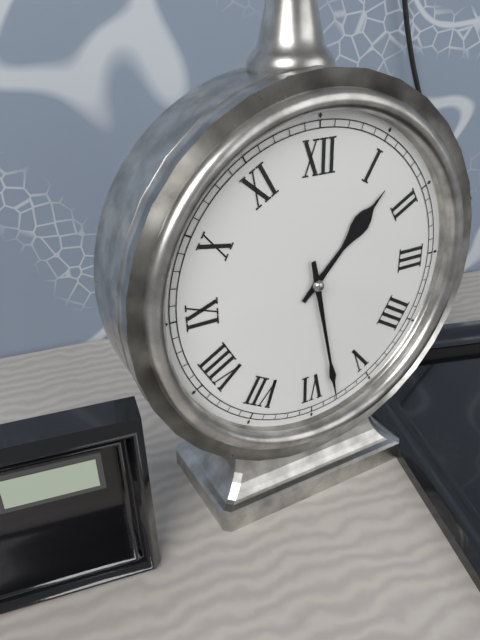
**1:28**
